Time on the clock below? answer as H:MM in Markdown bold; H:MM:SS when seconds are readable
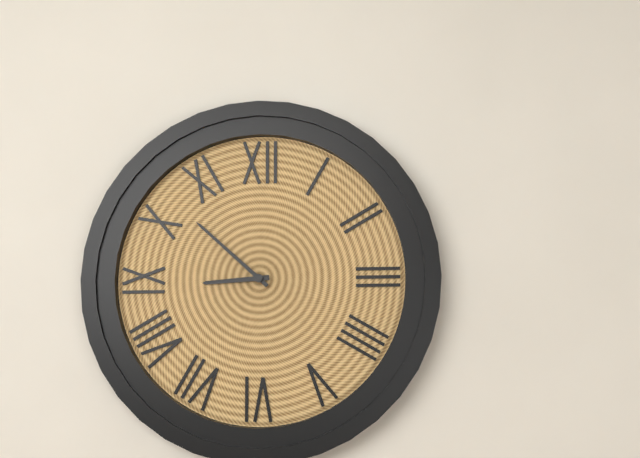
**8:52**
